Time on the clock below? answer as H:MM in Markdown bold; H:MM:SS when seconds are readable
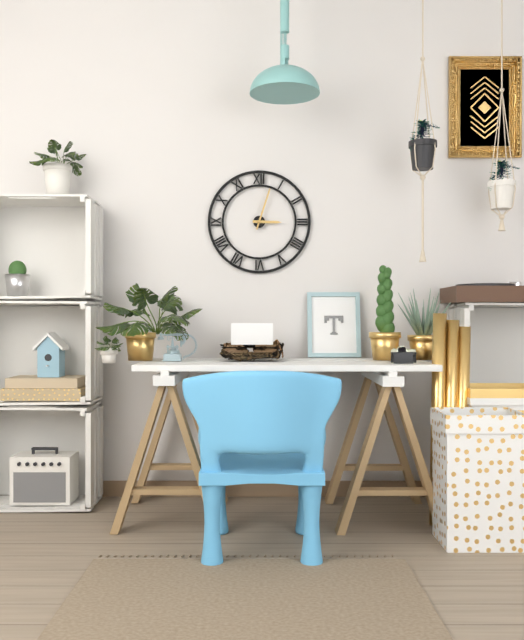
**3:03**
